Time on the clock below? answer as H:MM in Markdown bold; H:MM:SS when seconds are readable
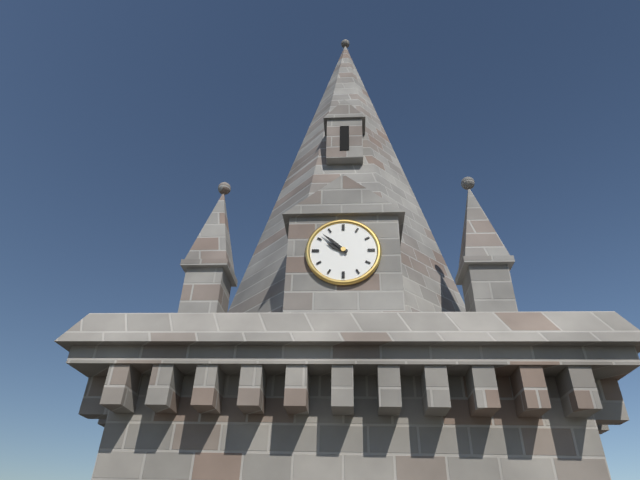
**9:52**
